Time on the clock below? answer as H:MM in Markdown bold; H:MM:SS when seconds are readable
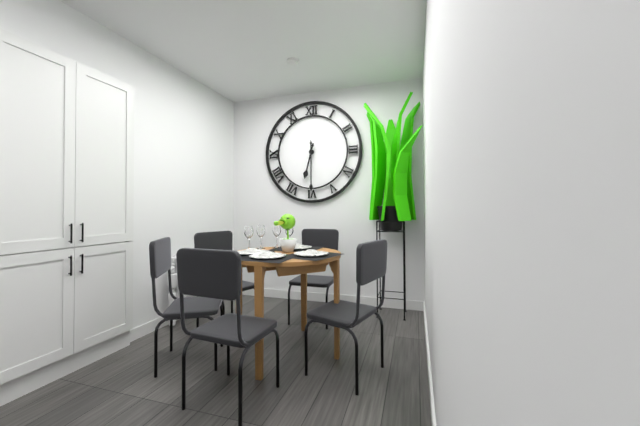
**6:30**
